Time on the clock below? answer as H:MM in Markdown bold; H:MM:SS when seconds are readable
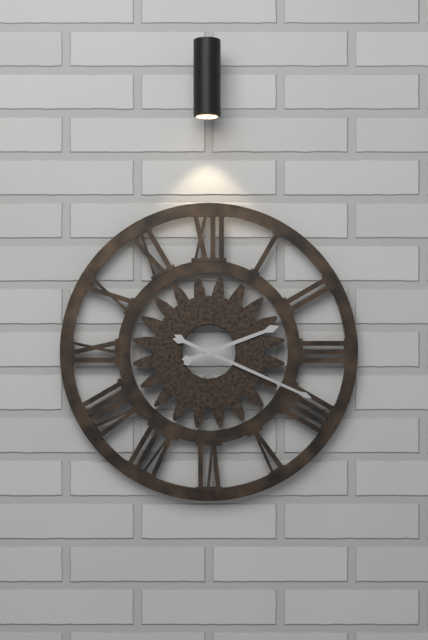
**2:19**
